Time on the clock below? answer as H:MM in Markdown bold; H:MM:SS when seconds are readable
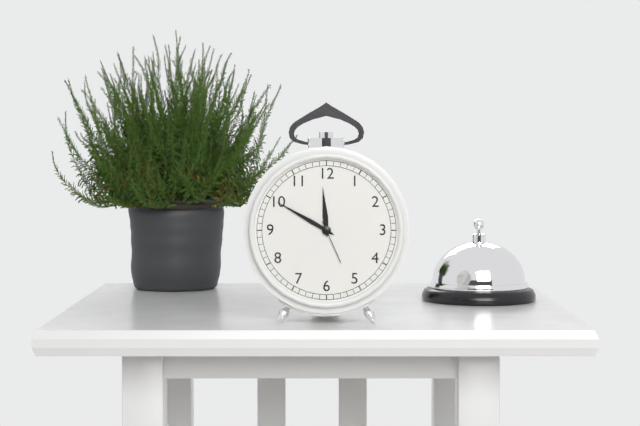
**11:50**
